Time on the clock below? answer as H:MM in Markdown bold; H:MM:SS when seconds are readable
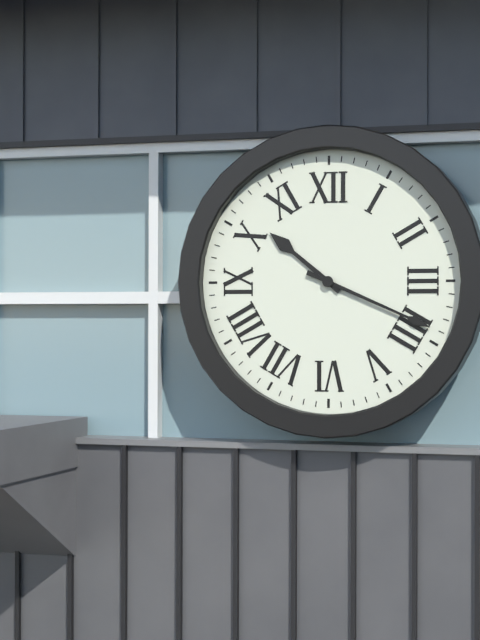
**10:19**
